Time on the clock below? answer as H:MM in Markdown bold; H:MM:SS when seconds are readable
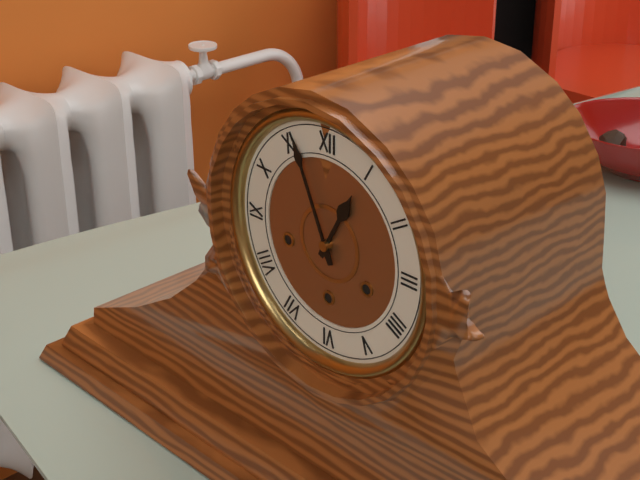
**12:56**
